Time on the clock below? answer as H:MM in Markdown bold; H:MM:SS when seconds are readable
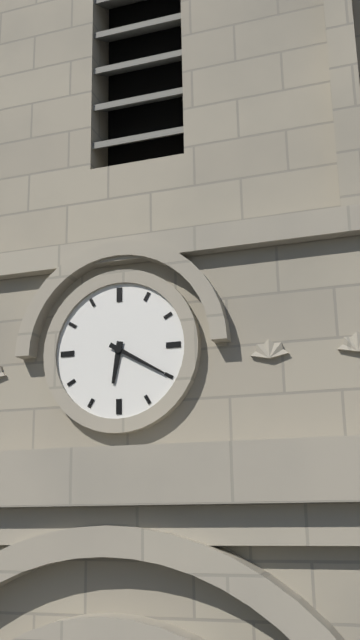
**6:20**
